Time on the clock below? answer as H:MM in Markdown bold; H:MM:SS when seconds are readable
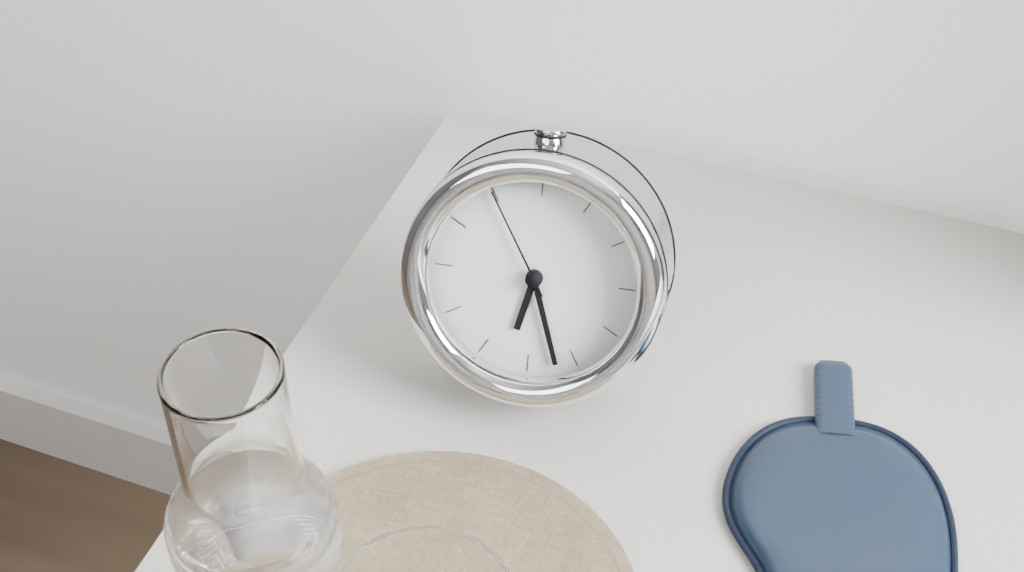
**6:27:55**
